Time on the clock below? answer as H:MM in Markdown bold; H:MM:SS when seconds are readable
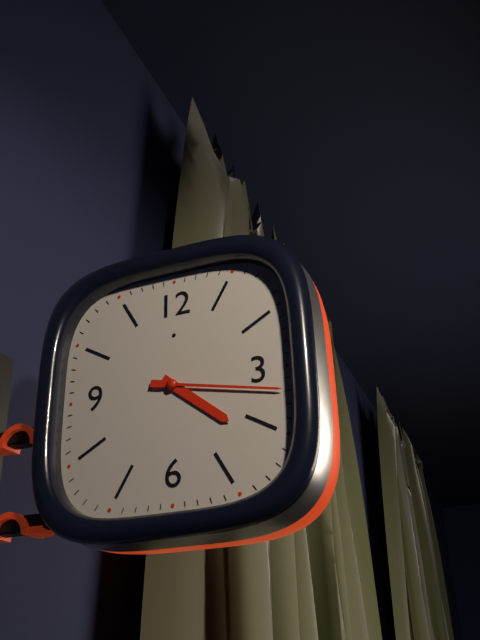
**4:17**
